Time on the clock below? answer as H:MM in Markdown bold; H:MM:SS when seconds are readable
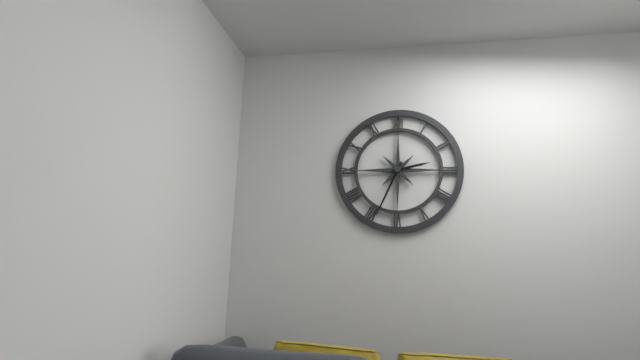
**2:34**
